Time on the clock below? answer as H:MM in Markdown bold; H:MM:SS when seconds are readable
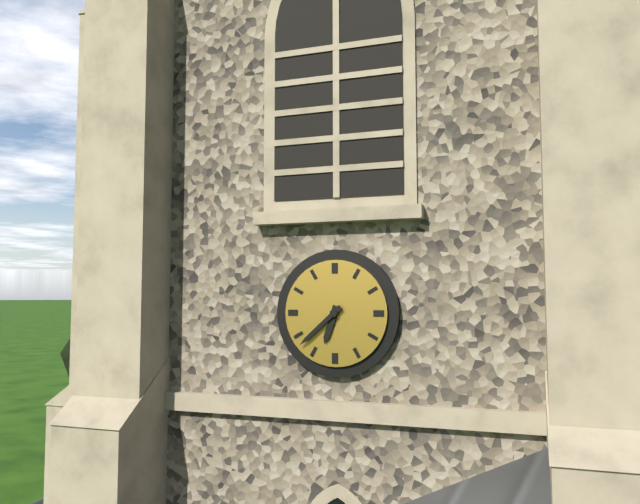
**6:38**
